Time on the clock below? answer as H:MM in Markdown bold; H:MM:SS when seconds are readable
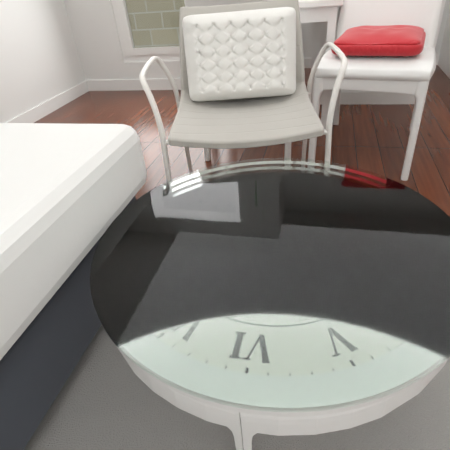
**8:44**
